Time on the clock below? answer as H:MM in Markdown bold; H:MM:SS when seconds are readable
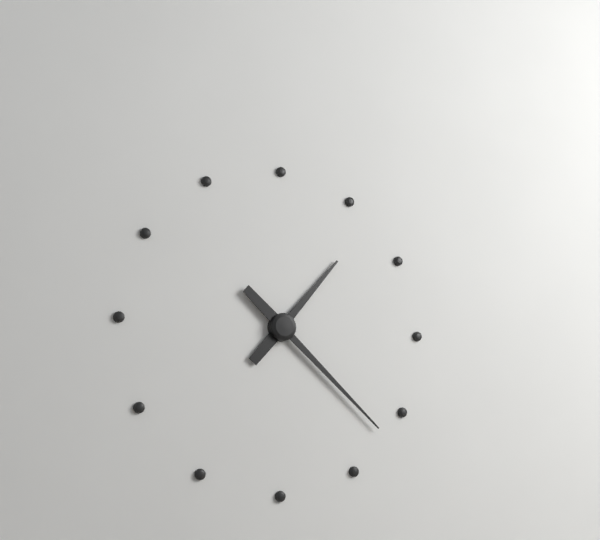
**1:22**
